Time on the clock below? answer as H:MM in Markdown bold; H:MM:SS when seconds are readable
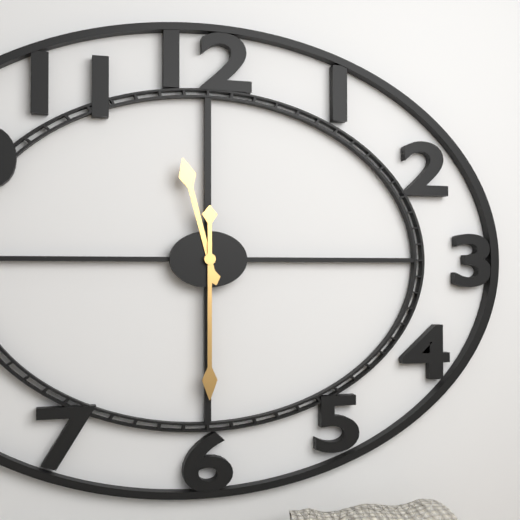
**11:30**
